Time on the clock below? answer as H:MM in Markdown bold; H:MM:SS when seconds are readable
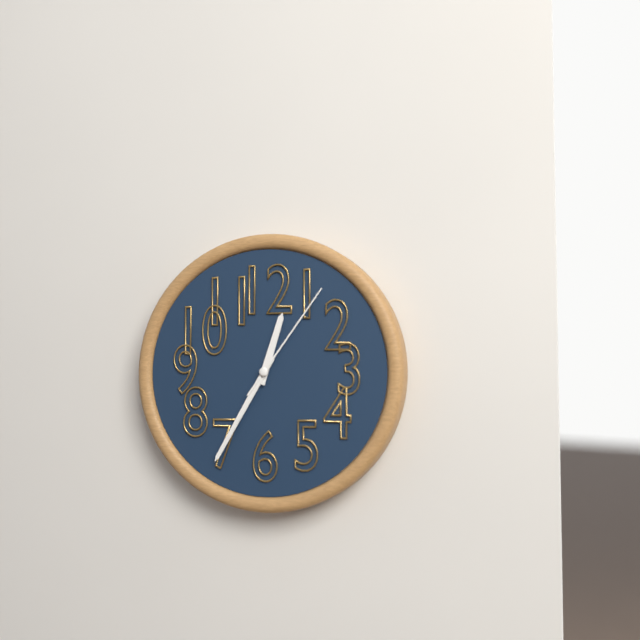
**12:35:06**
